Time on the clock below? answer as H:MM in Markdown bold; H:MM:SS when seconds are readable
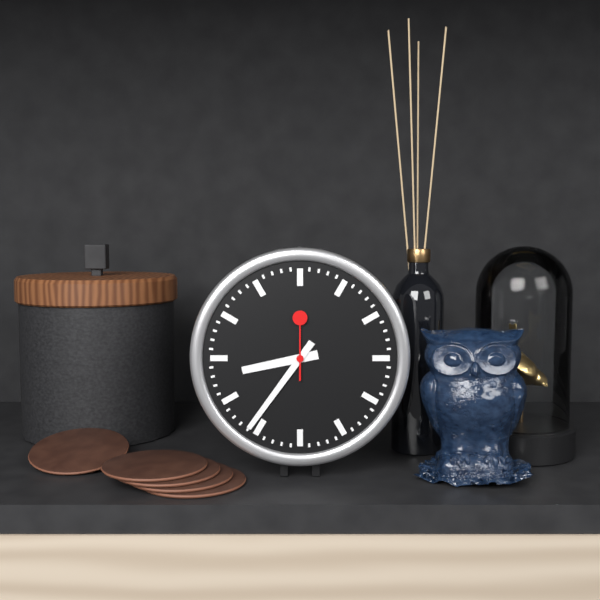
**8:36:00**
